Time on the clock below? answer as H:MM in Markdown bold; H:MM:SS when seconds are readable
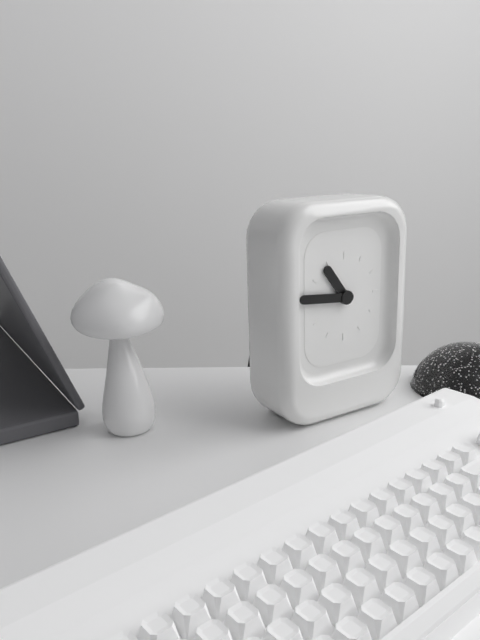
**10:46**
